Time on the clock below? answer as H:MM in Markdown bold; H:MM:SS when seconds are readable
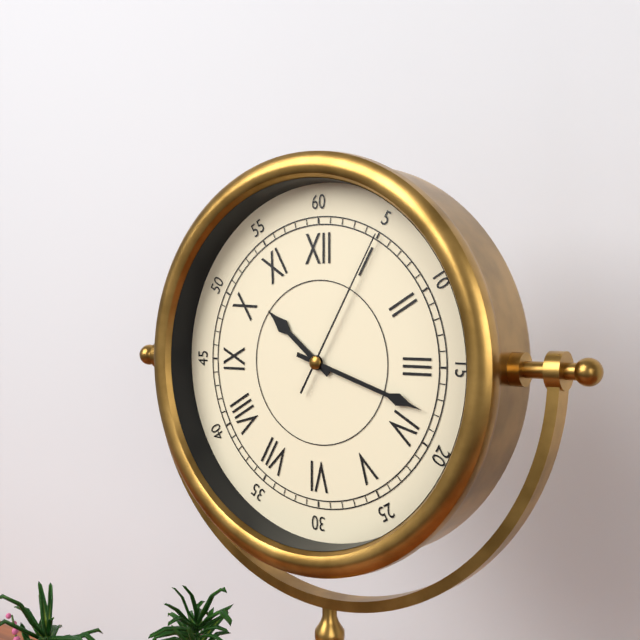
**10:18:05**
